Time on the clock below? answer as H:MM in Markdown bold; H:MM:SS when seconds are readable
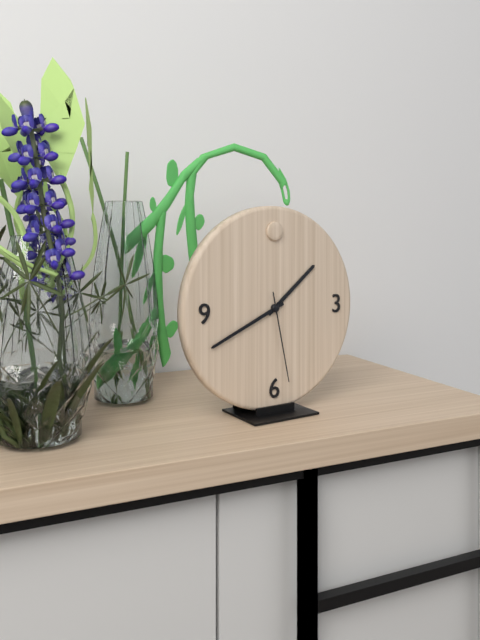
**1:41:28**
